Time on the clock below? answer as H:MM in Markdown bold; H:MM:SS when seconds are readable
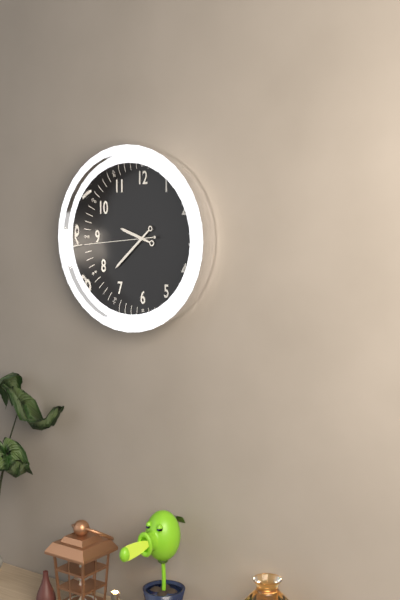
**9:38:44**
